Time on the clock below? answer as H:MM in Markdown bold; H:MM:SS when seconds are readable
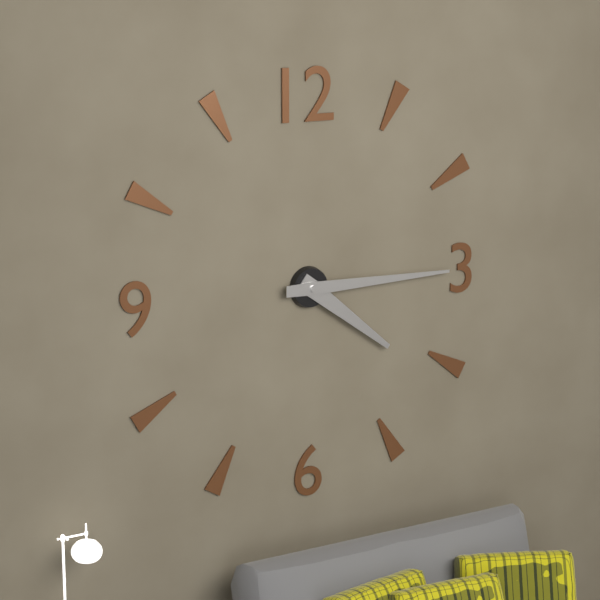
**4:15**
